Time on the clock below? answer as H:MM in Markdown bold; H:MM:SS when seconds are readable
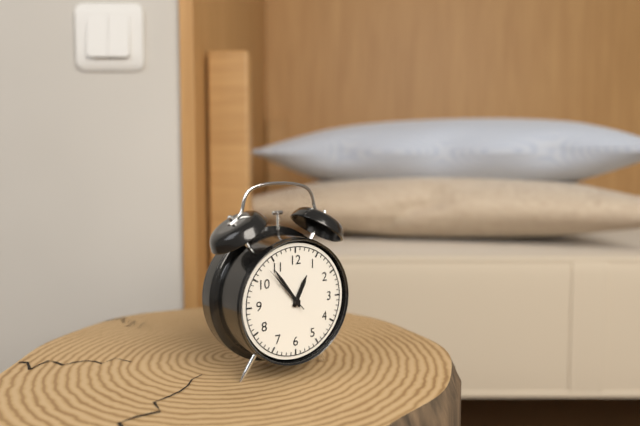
**12:54:53**
